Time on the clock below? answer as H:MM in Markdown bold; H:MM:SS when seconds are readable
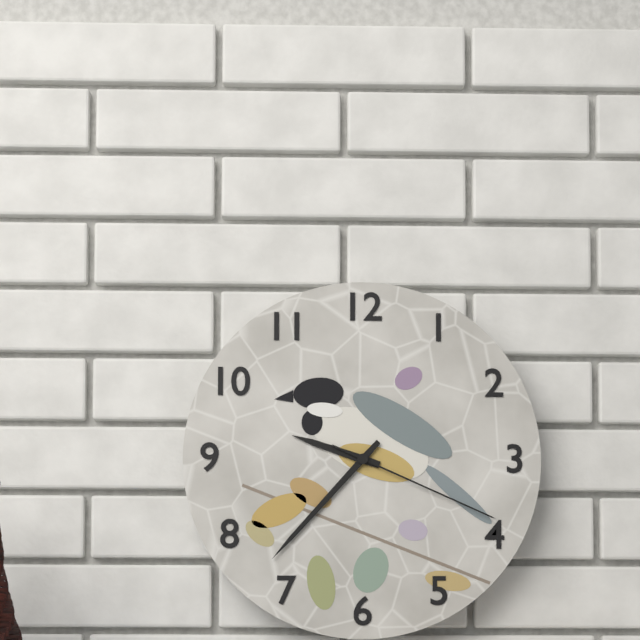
**9:37:19**
